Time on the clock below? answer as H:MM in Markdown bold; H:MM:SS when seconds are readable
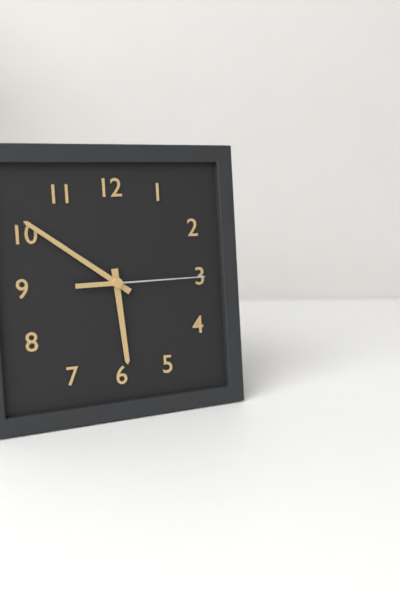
**5:51:15**
